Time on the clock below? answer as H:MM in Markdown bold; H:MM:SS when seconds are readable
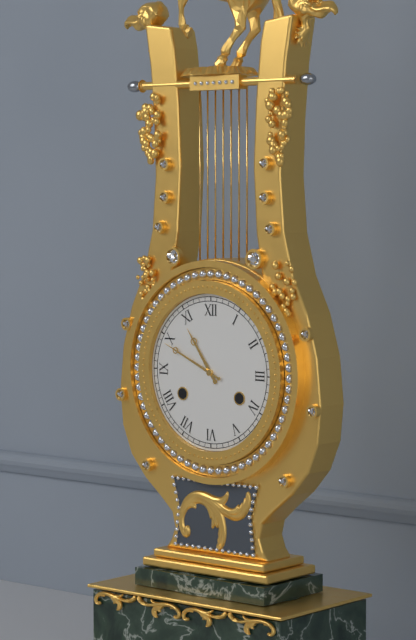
**10:49**
